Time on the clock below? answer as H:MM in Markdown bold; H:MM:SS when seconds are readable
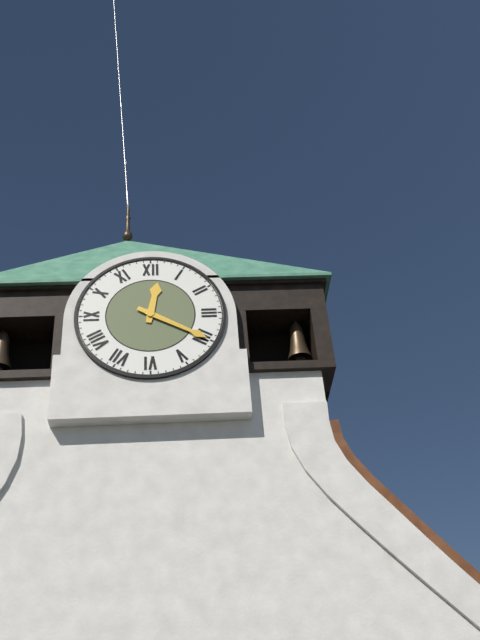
**12:20**
